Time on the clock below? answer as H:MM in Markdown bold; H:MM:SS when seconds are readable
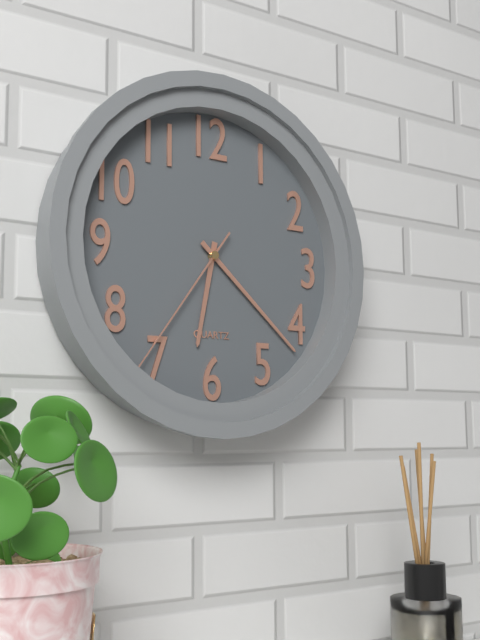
**6:22:36**
